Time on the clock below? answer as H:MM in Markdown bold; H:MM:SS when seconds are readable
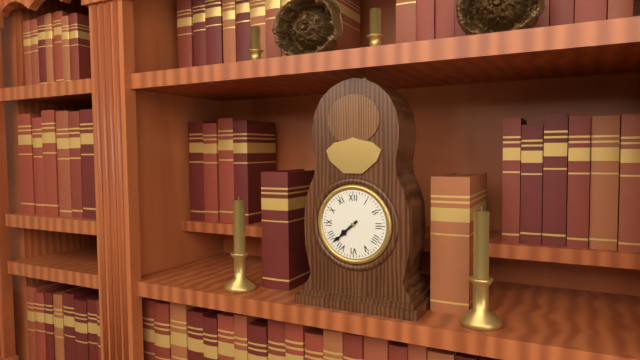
**7:38**
